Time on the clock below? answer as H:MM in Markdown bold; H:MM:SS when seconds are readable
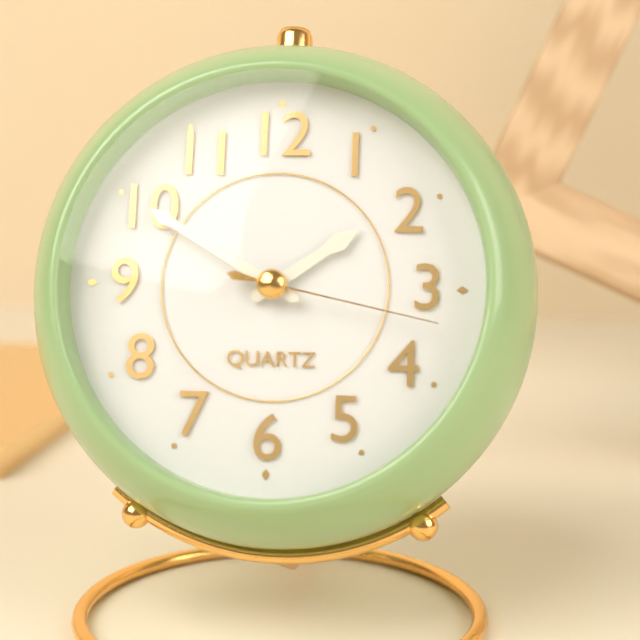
**1:50:17**
